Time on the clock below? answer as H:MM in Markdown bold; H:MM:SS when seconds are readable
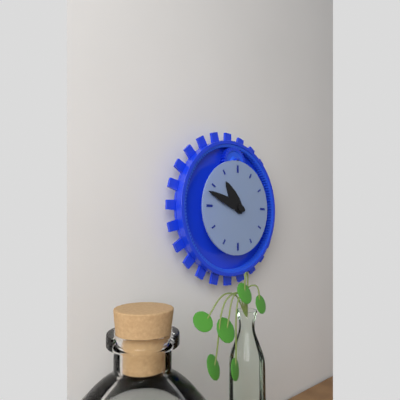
**10:48**
